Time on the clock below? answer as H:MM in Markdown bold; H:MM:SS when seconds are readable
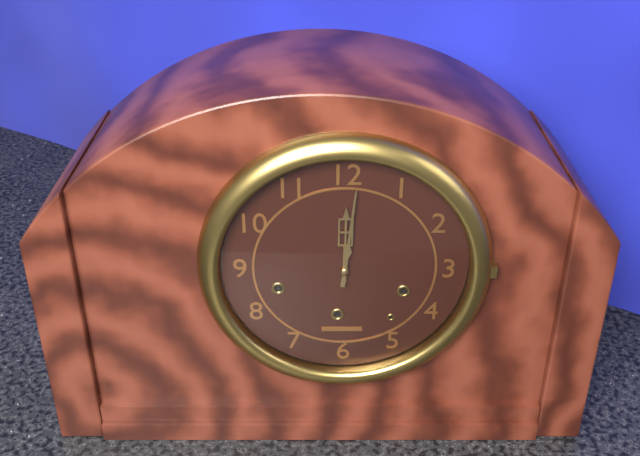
**12:01**
